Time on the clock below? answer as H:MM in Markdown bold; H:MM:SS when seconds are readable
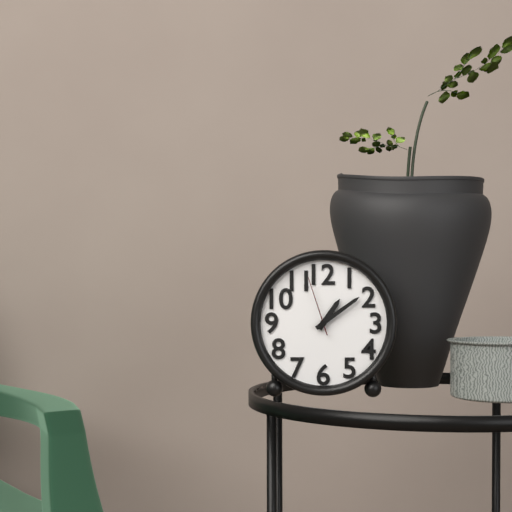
**1:09:57**
